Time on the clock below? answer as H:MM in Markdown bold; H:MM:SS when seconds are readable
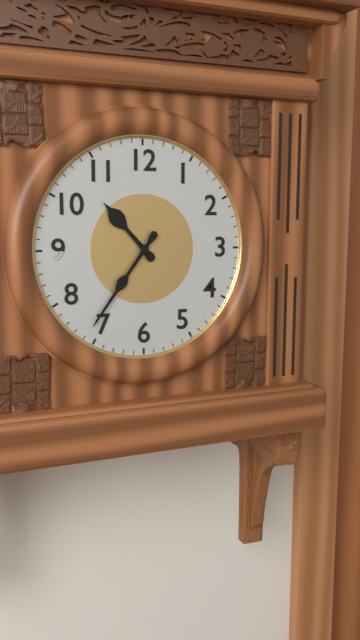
**10:36**
